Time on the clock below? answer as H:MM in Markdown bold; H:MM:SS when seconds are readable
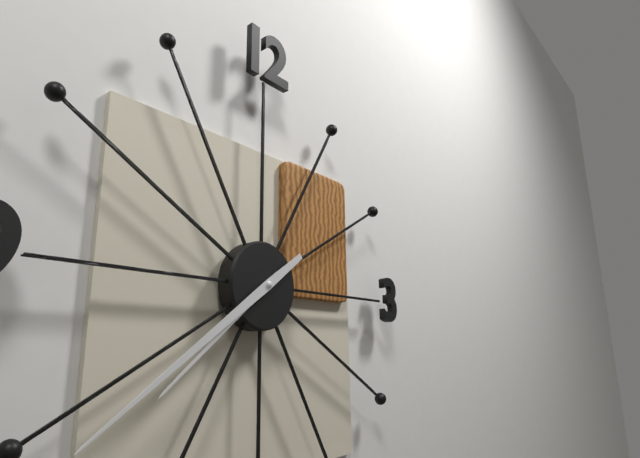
**7:39**
